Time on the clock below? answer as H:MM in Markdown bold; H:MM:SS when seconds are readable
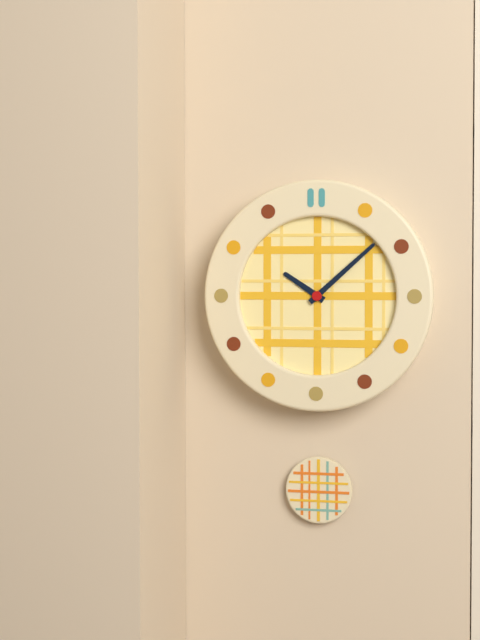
**10:08**
